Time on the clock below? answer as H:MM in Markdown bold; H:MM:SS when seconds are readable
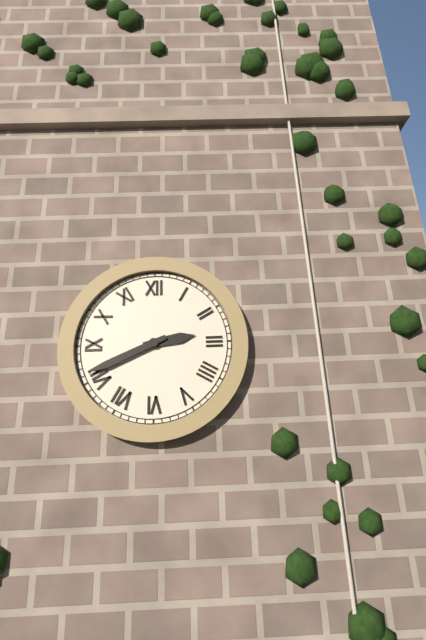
**2:41**
